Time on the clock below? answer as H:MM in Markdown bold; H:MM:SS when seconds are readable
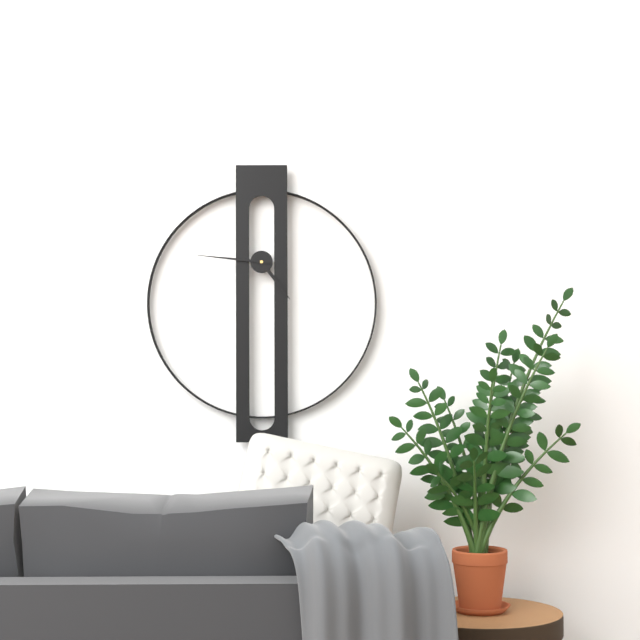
**4:46**
